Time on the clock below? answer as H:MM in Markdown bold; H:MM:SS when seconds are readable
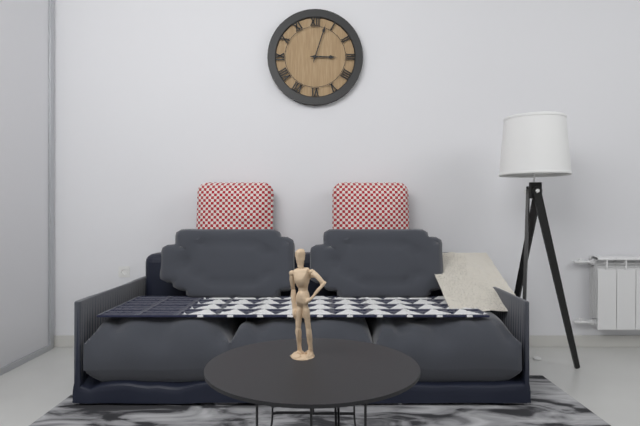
**3:03**
